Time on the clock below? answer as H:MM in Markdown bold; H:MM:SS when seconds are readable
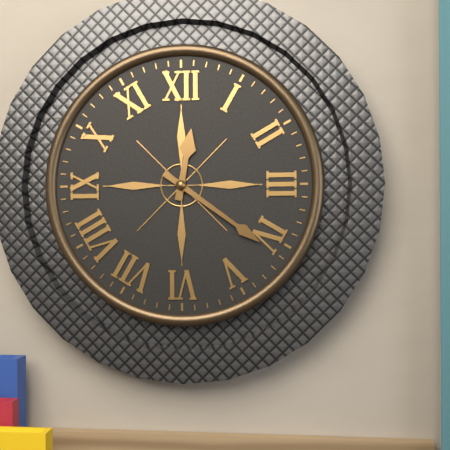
**12:21**
